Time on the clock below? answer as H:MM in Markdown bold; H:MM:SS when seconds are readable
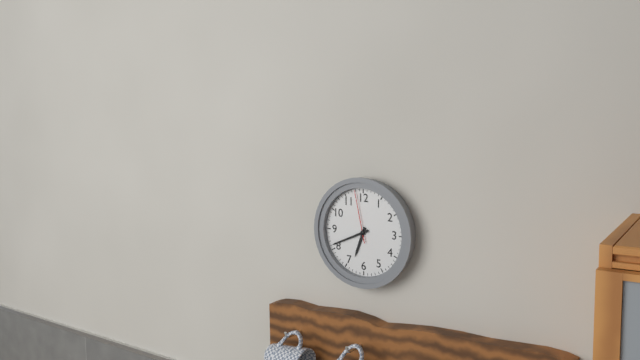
**6:41:58**
